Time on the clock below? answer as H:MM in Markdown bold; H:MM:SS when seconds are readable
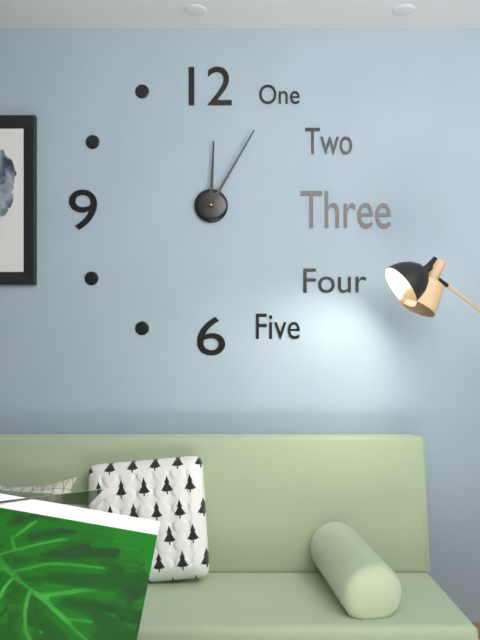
**12:05**
